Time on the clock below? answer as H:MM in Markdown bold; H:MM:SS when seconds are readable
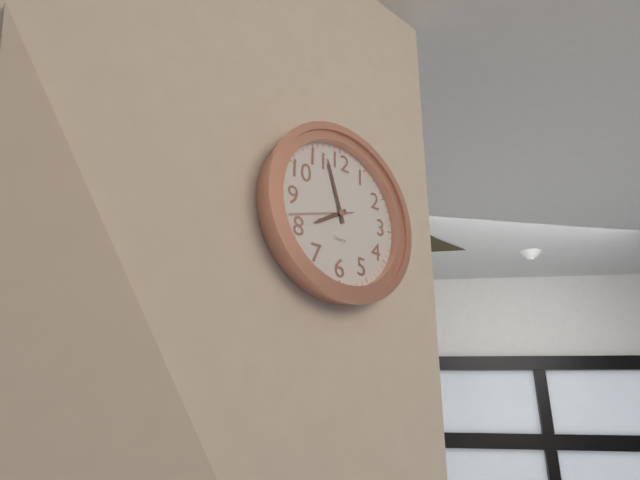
**7:57:42**
